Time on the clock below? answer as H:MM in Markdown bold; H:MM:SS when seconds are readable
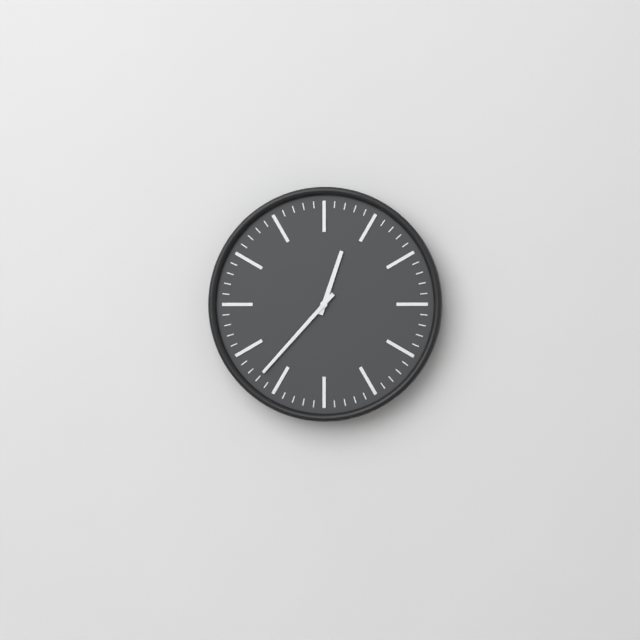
**12:37**
